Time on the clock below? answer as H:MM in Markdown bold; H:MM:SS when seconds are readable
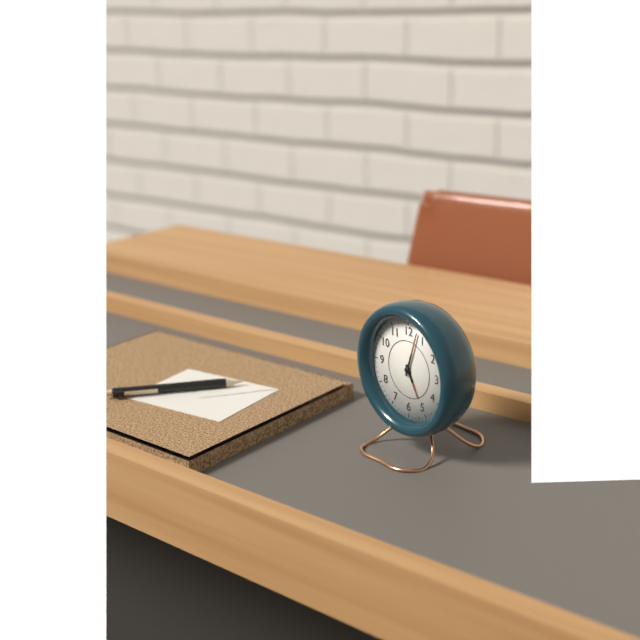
**5:03**
